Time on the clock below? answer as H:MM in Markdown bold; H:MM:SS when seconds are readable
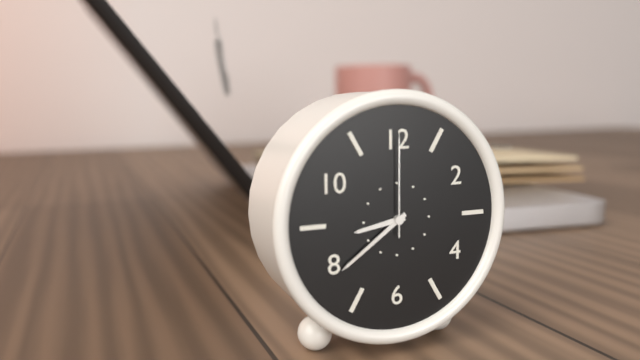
**8:39:00**
